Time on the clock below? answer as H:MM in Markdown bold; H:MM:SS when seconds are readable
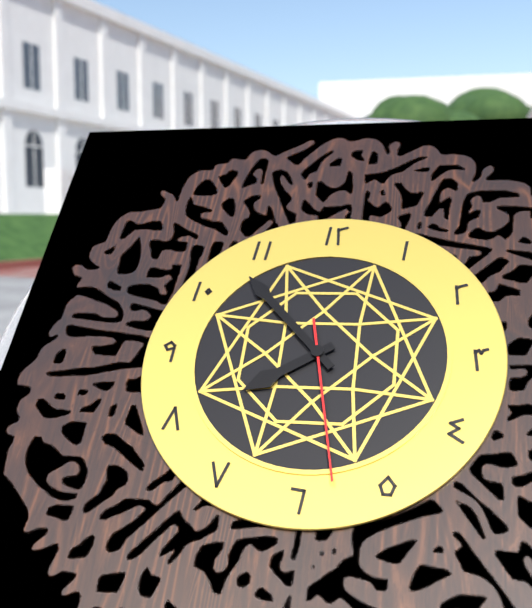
**7:53:28**
